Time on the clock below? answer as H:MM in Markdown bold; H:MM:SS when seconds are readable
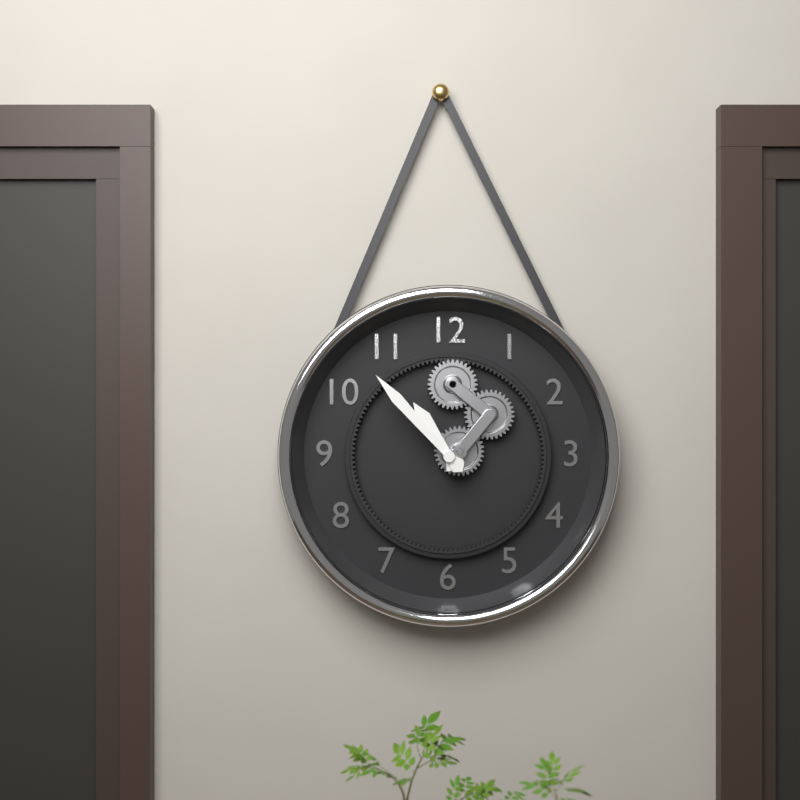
**10:53**
